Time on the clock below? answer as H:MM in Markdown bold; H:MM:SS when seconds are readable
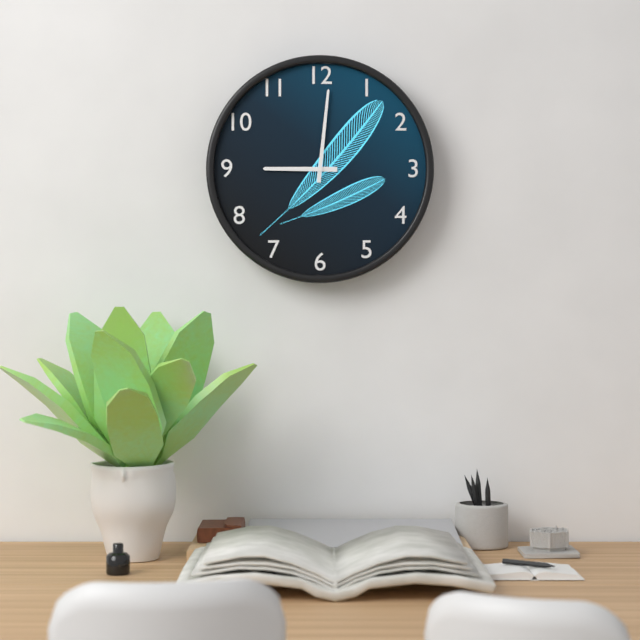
**9:01**
